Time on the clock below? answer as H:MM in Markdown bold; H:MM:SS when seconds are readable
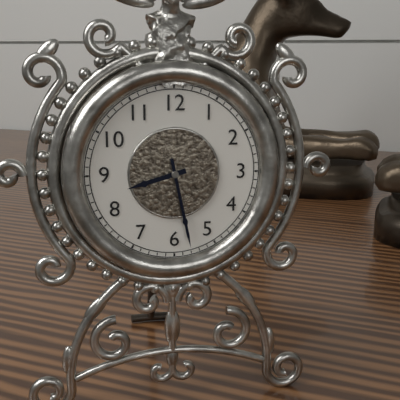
**8:28**
